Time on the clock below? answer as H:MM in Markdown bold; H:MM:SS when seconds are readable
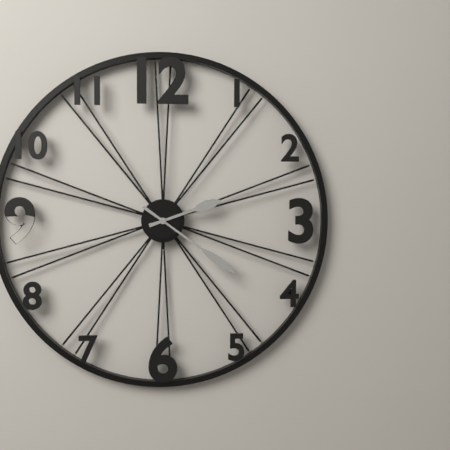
**2:21**
